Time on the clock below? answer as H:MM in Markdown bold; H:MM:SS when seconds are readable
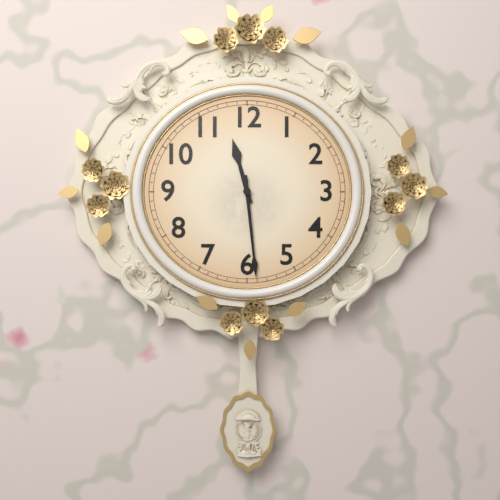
**11:29**
